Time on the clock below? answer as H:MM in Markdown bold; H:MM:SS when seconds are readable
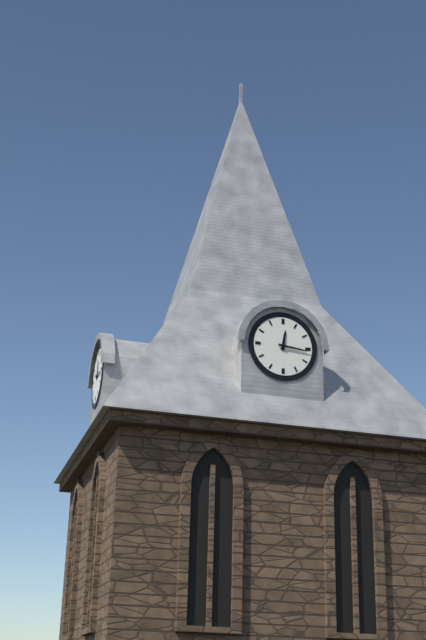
**12:16**
